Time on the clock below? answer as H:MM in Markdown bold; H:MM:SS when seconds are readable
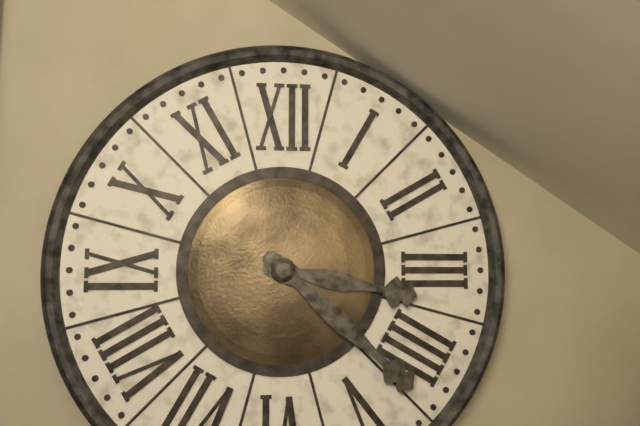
**3:22**
